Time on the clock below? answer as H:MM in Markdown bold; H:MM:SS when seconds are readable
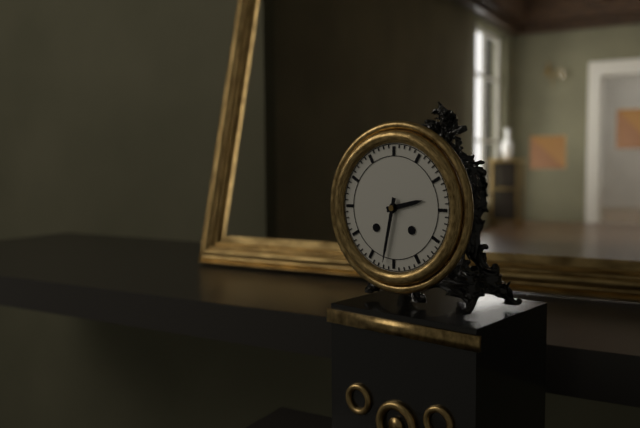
**2:32**
